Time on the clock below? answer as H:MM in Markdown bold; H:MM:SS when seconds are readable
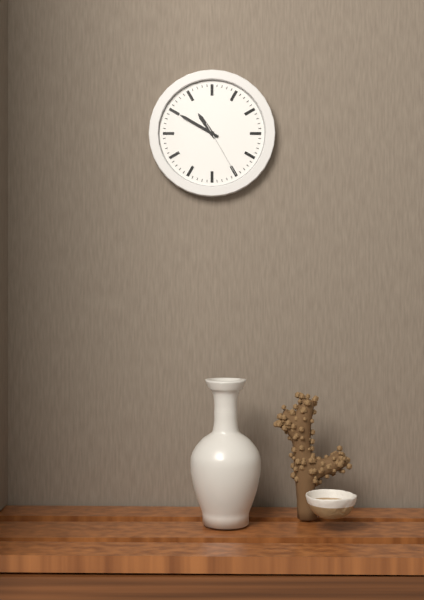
**10:50:25**
